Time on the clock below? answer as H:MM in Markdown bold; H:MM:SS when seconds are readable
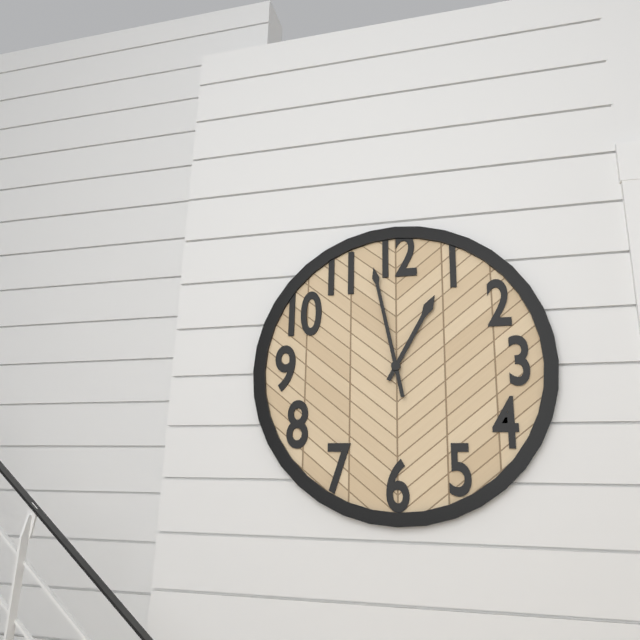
**12:58**
